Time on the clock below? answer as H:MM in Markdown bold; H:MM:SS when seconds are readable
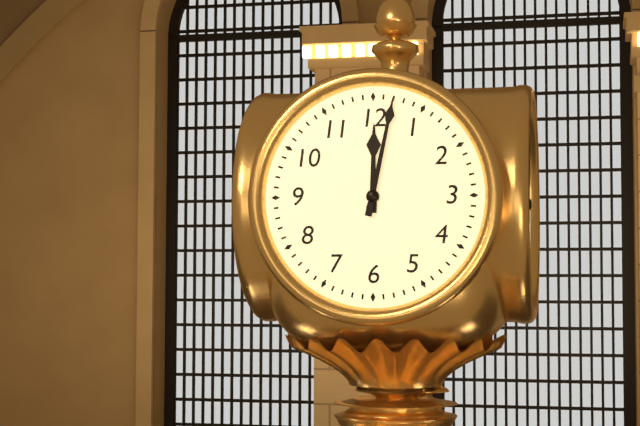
**12:02**
